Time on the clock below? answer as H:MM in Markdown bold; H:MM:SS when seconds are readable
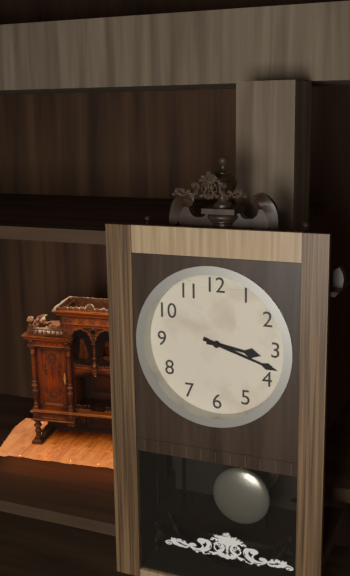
**3:18**
